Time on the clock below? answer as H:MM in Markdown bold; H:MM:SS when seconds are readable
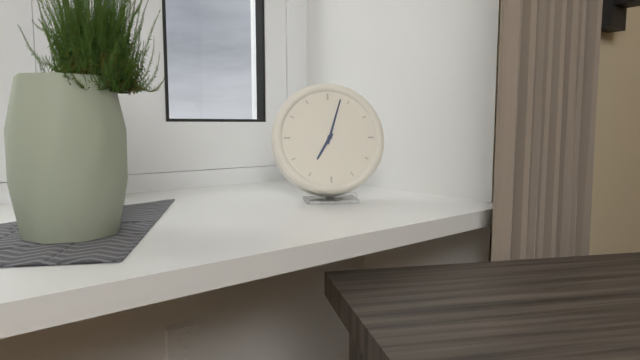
**7:03**
